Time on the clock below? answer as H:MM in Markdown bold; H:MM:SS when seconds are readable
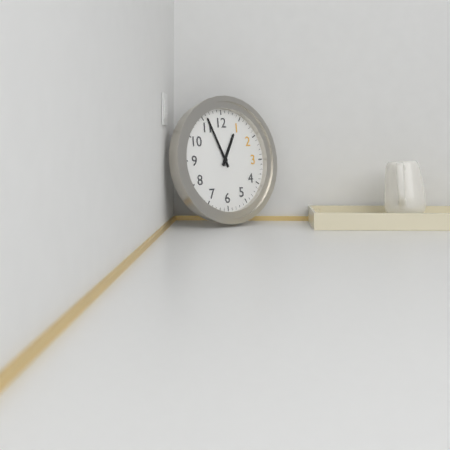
**12:56**
